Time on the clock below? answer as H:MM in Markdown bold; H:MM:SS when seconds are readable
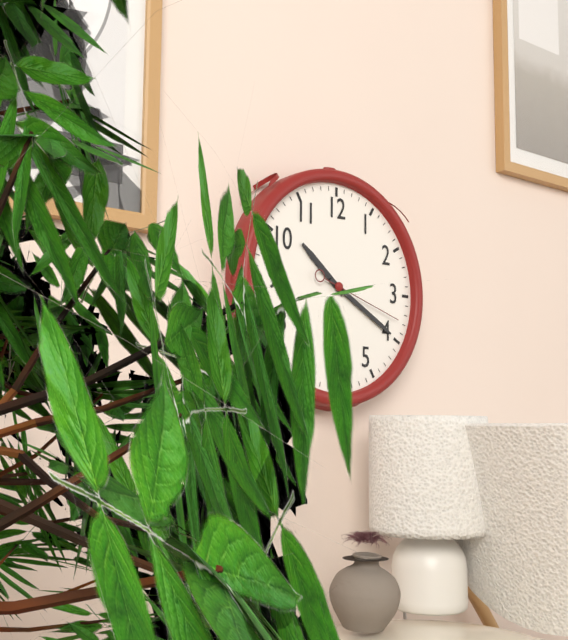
**10:20:18**
